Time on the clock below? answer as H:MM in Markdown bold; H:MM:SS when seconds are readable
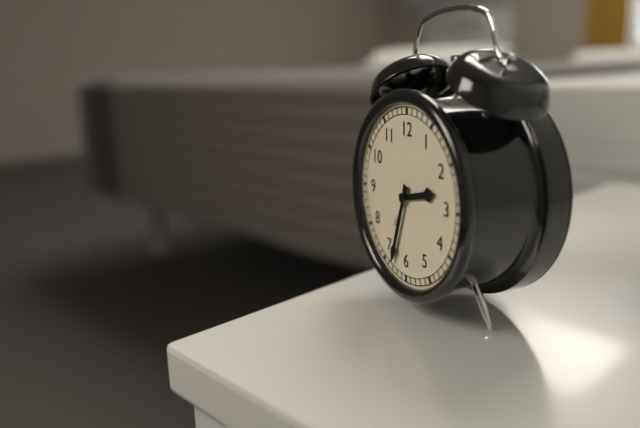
**2:33**
